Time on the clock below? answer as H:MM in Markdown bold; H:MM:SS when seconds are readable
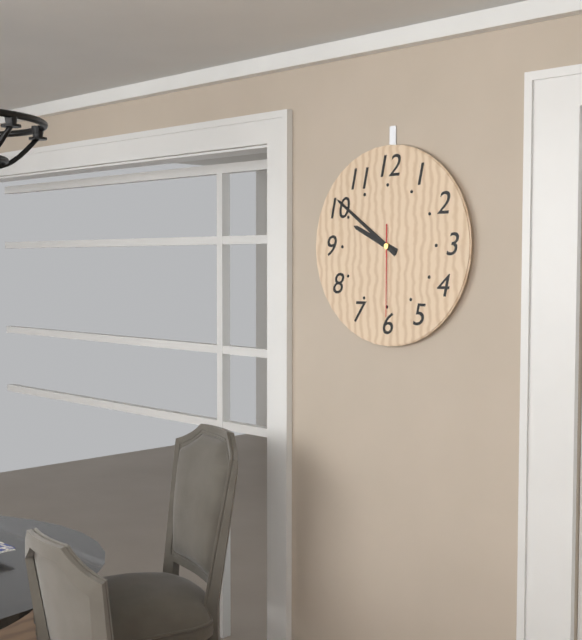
**9:51:30**
